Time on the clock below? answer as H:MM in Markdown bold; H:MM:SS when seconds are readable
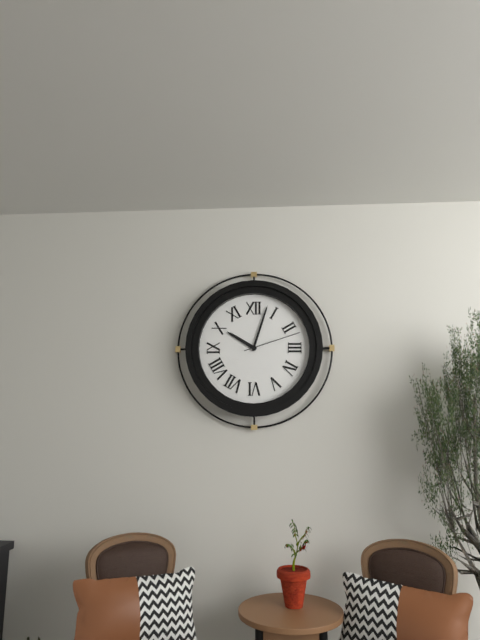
**10:03:12**
